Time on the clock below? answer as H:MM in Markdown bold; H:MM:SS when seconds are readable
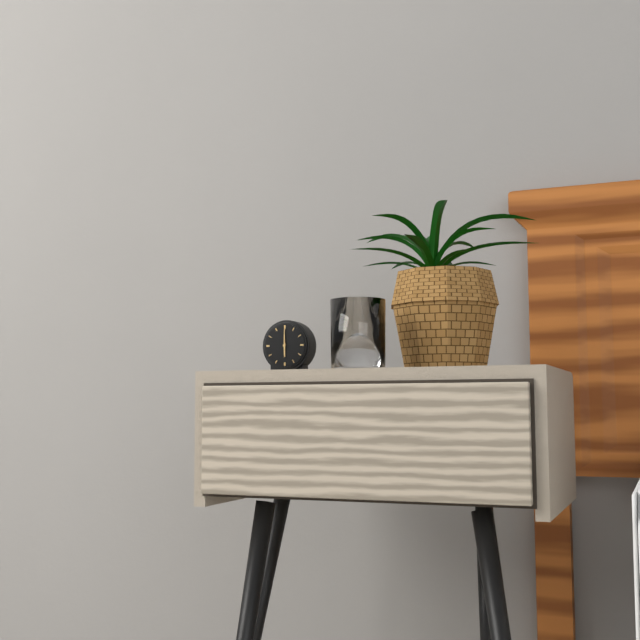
**6:00**
